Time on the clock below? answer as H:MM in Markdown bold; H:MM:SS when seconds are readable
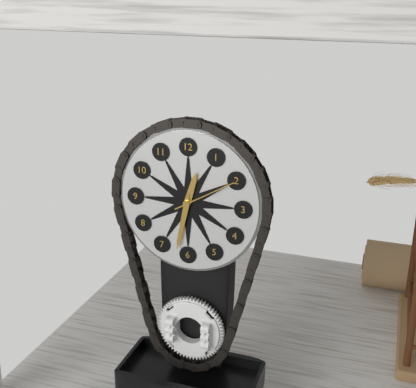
**12:32:10**
